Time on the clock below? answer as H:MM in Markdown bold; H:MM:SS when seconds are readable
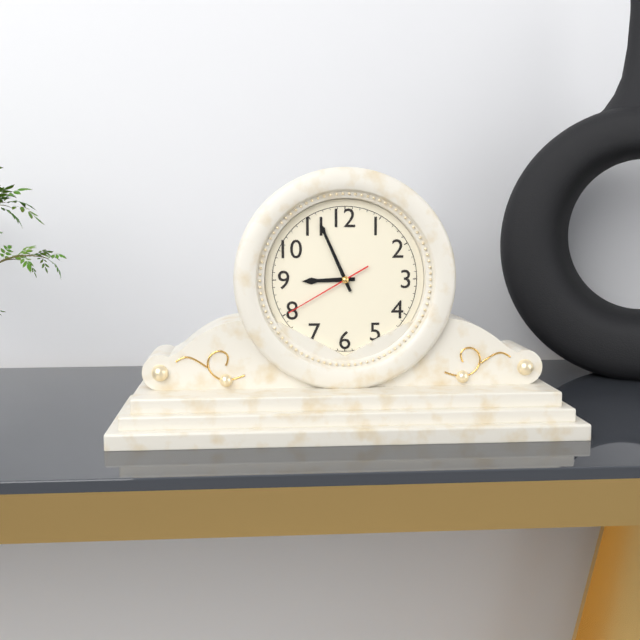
**8:56:40**
